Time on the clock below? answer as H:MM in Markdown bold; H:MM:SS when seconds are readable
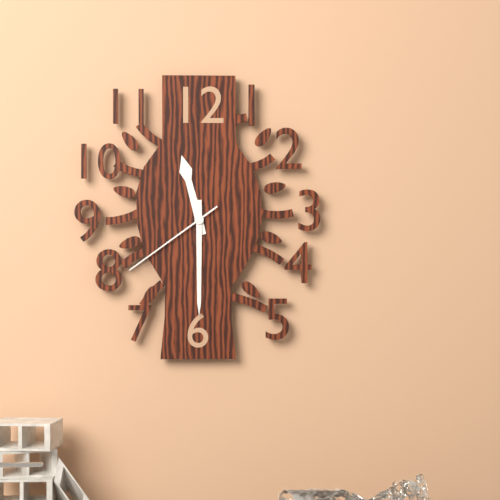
**11:30:39**
